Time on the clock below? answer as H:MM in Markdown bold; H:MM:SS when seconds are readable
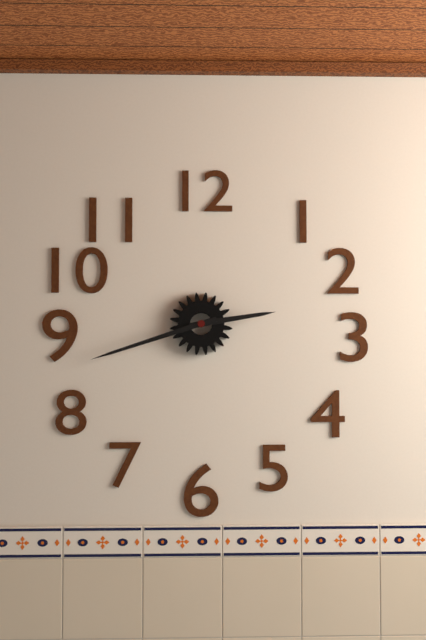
**2:42**
